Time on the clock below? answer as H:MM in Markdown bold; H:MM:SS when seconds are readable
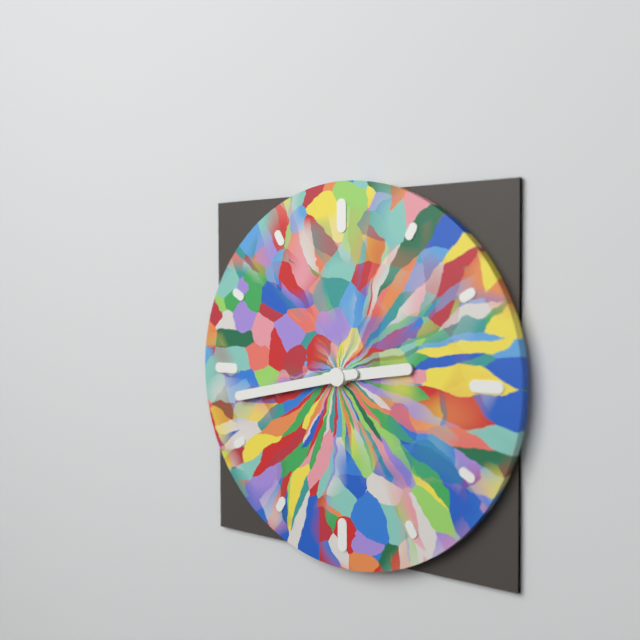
**2:43**
